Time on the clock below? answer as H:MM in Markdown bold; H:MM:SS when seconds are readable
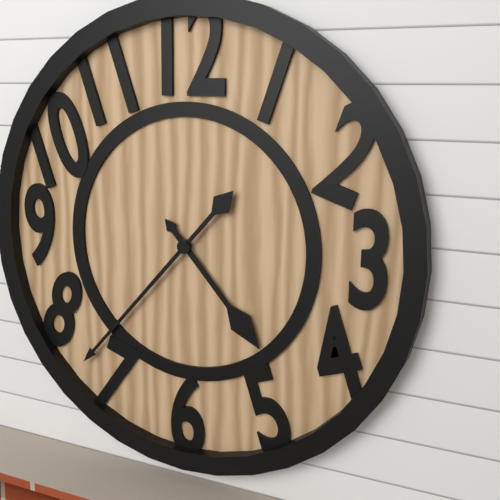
**4:37**
